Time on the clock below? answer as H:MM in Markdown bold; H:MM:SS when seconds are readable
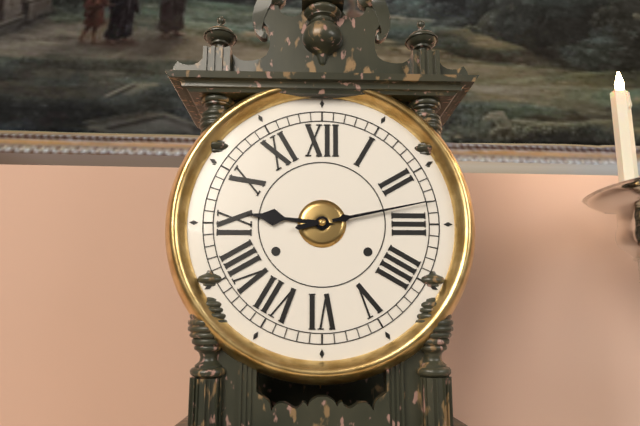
**9:13**
